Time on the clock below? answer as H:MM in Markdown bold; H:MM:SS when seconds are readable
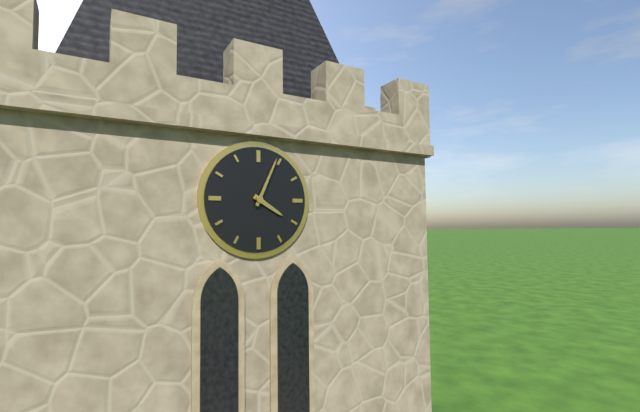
**4:04**
